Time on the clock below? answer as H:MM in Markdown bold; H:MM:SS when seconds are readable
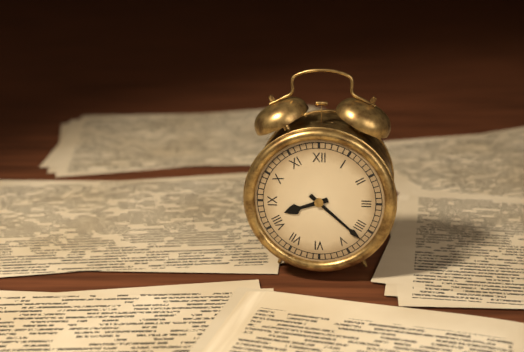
**8:22**
